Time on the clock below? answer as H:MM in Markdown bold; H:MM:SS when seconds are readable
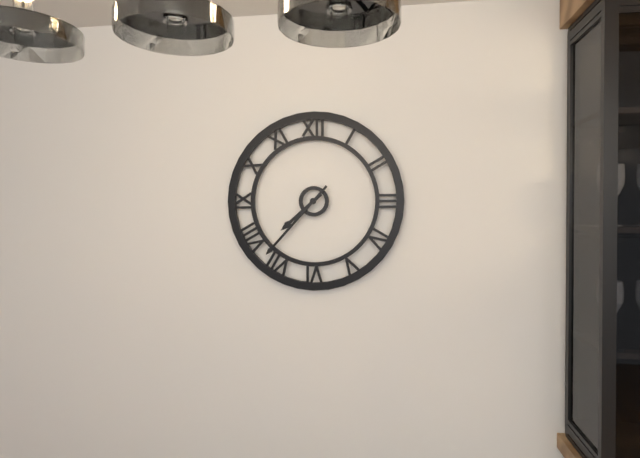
**7:37**
